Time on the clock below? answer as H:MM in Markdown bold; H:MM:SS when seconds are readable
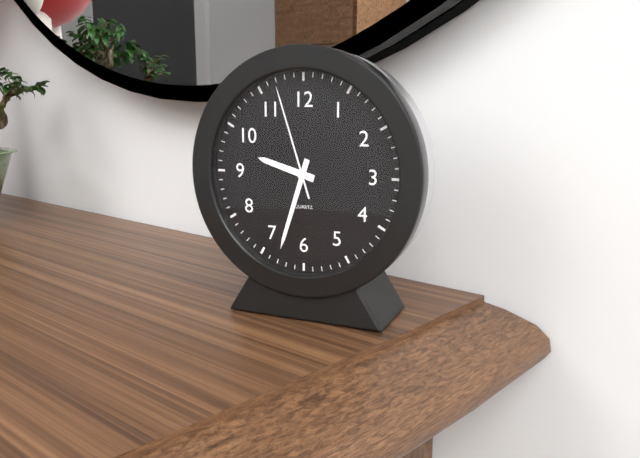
**9:33:57**
